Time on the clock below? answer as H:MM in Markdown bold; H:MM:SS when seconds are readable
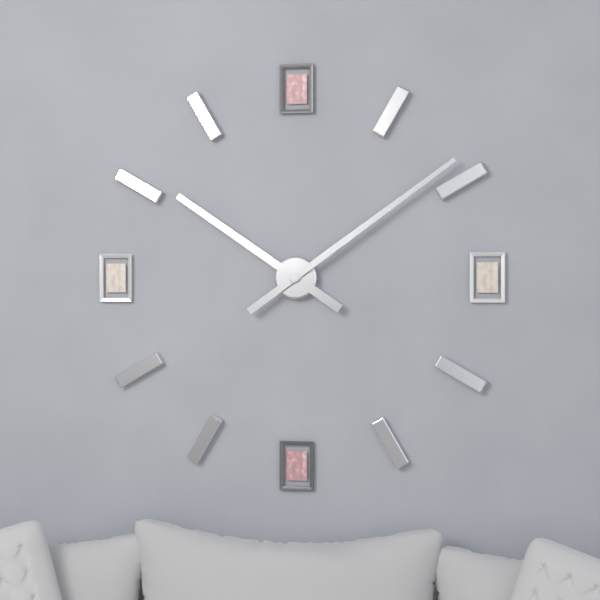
**10:09**
